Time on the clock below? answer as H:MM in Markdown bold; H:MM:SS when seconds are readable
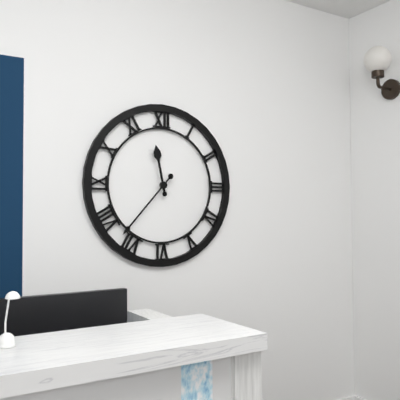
**11:37**
